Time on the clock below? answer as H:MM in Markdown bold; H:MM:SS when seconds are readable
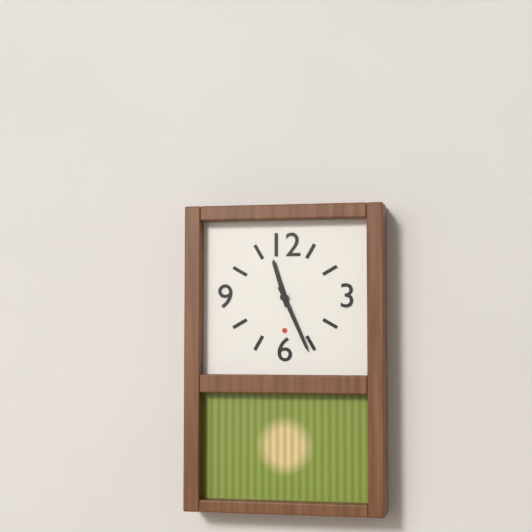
**11:26**
